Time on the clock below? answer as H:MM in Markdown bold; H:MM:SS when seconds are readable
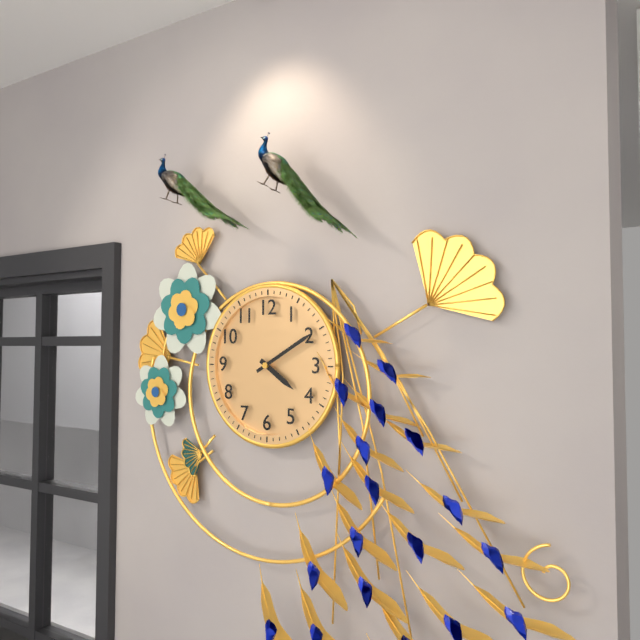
**4:10**
